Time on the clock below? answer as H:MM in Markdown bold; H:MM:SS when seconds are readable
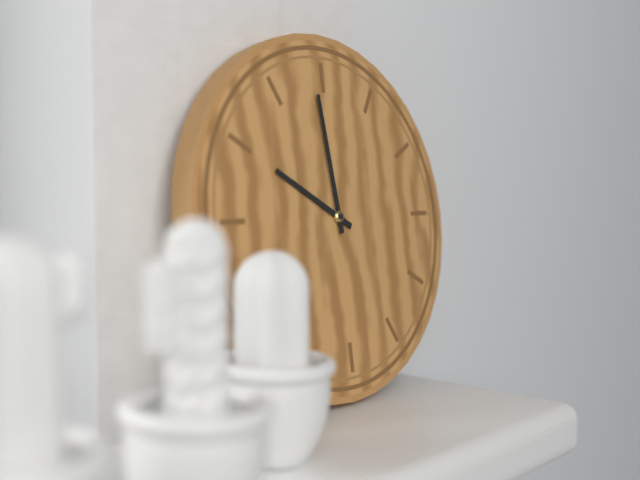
**9:59**
